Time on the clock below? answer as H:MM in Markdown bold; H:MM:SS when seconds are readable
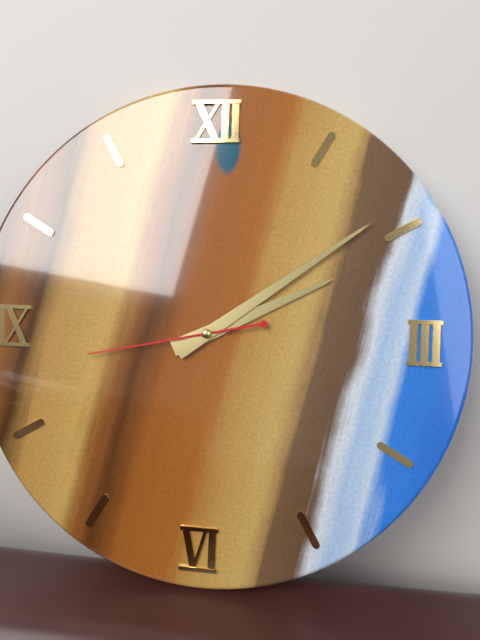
**2:09:43**
